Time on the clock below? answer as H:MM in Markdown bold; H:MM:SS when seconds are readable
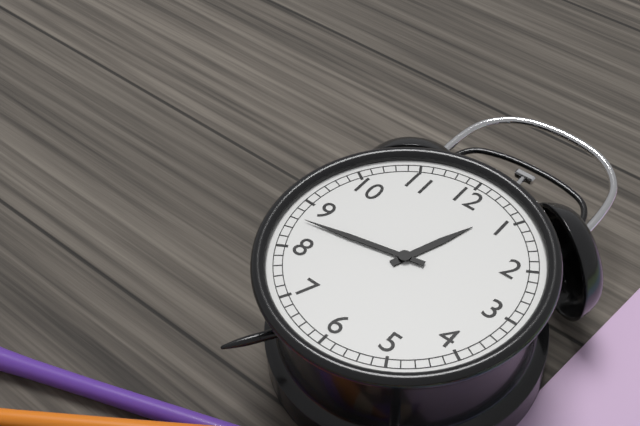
**12:43**
